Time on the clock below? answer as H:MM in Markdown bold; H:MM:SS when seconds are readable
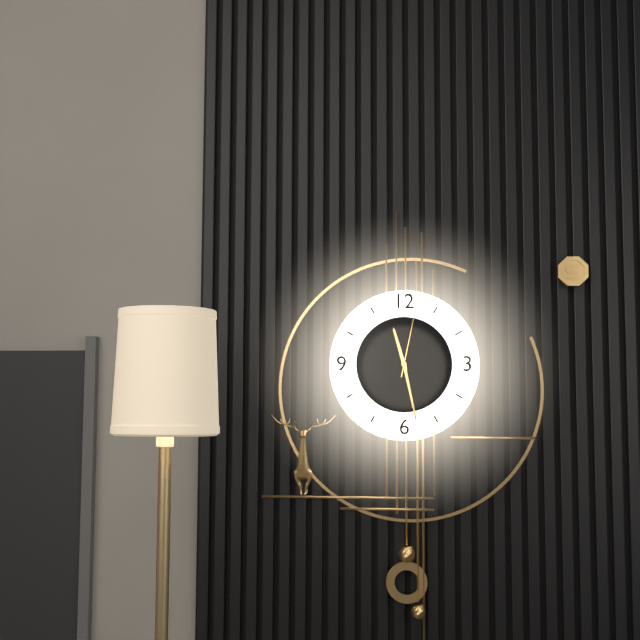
**11:28:02**
